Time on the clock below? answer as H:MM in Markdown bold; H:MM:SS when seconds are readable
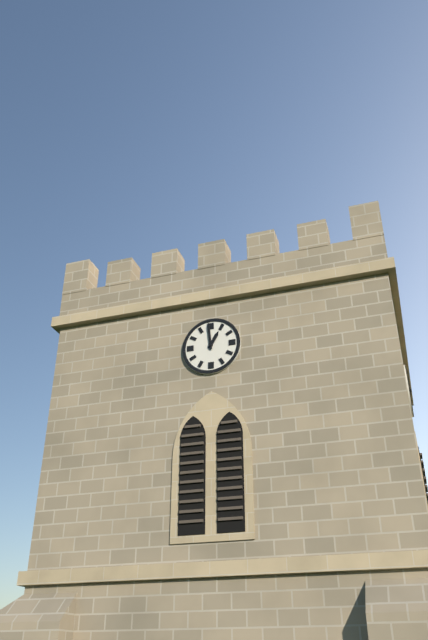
**12:59**
